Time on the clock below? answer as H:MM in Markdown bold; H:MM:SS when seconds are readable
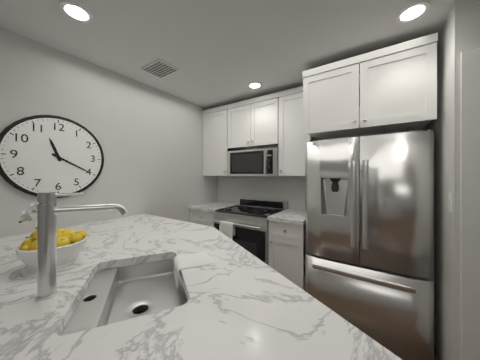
**11:20**
